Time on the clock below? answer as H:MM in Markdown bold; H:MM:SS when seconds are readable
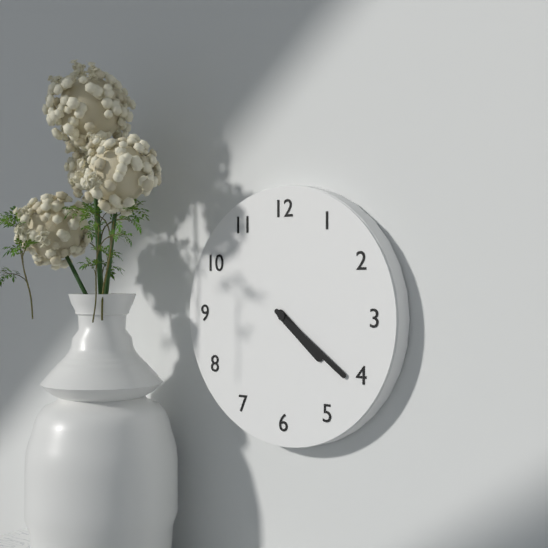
**4:21**
